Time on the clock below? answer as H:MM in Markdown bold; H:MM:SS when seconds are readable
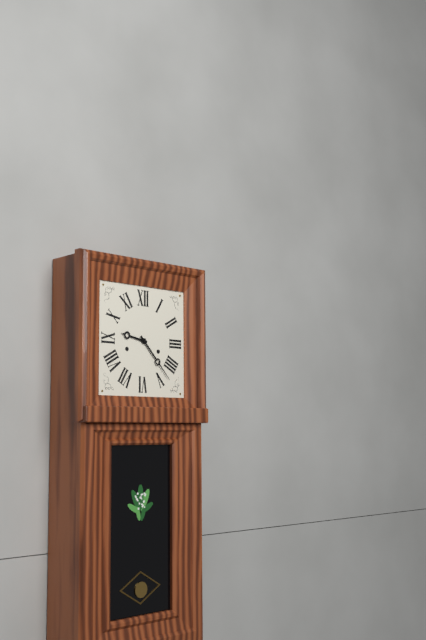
**9:23**
